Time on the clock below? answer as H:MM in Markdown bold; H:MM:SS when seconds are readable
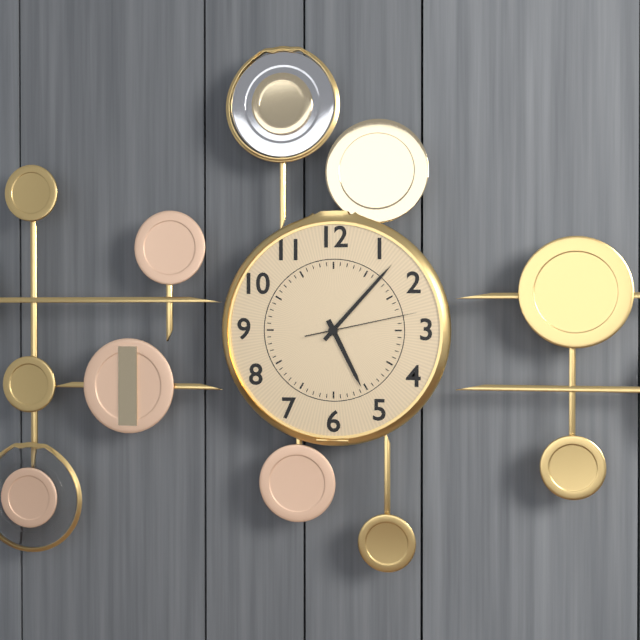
**5:07:13**
